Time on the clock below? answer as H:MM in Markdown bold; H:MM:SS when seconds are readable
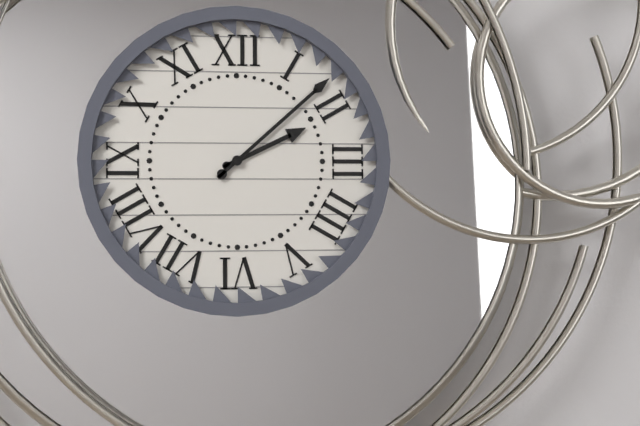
**2:08**
